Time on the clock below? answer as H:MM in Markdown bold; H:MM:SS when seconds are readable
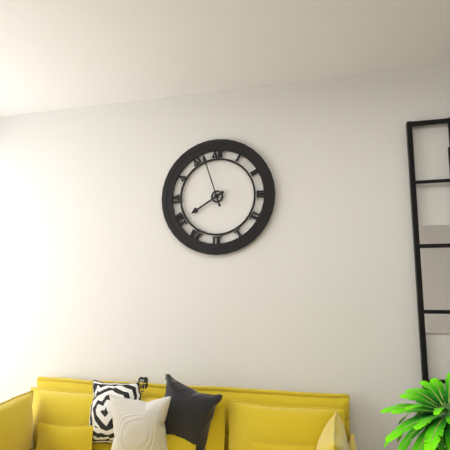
**7:57**
